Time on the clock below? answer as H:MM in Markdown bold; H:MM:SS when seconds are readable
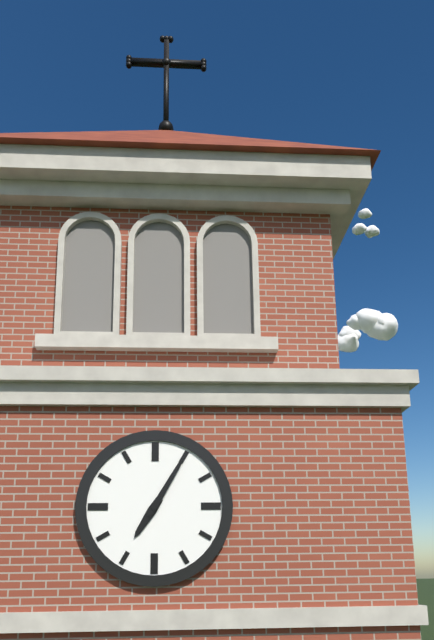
**7:05**
